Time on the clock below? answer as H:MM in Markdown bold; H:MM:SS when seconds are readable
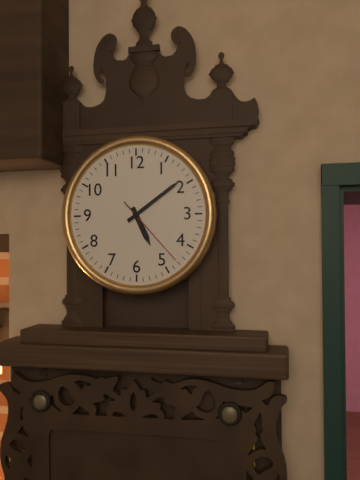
**5:09:23**
